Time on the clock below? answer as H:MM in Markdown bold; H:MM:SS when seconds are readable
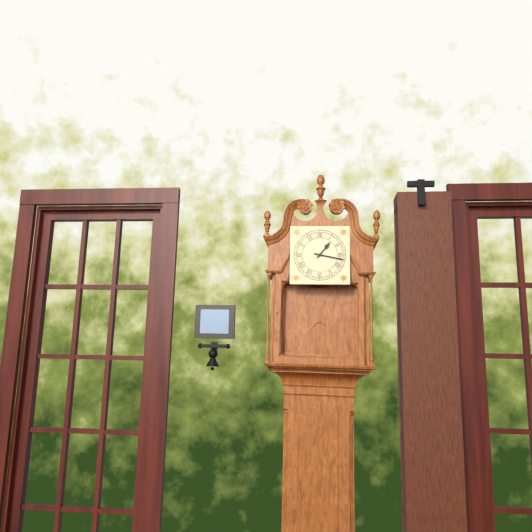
**1:17**
